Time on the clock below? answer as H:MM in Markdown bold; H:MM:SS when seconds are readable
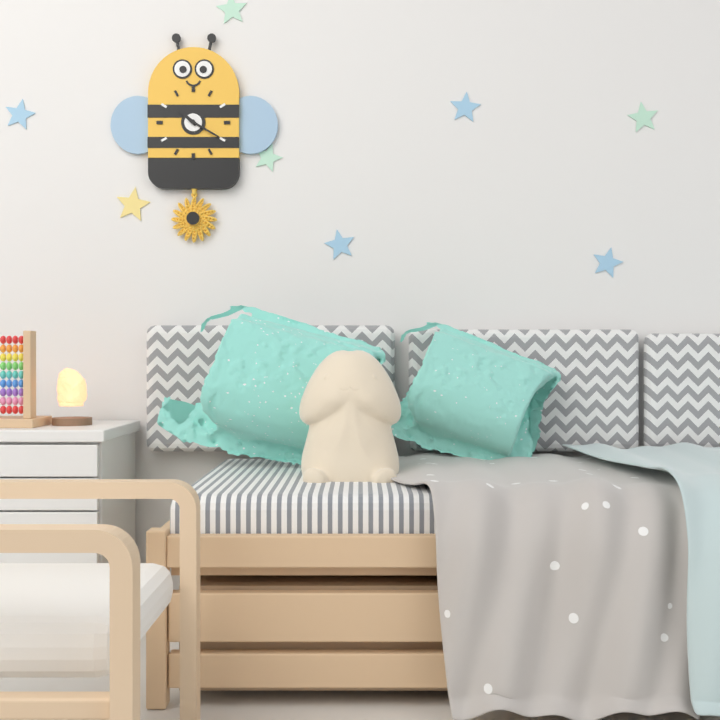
**10:20**
